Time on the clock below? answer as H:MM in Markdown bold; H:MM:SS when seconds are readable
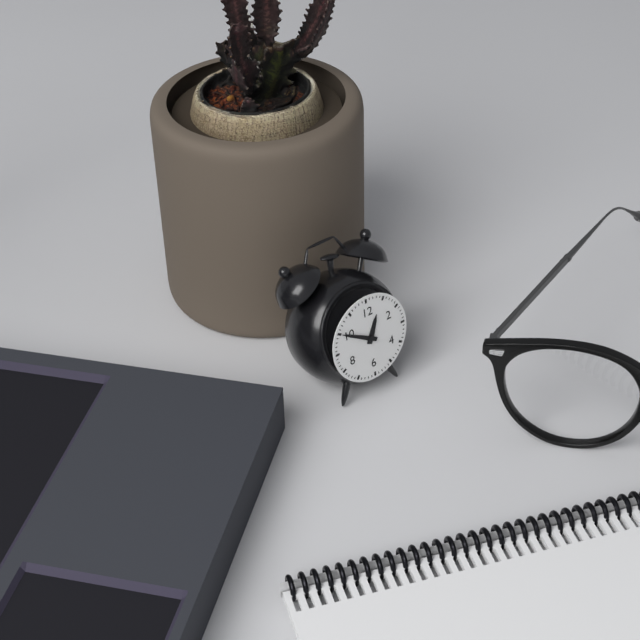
**12:50**
